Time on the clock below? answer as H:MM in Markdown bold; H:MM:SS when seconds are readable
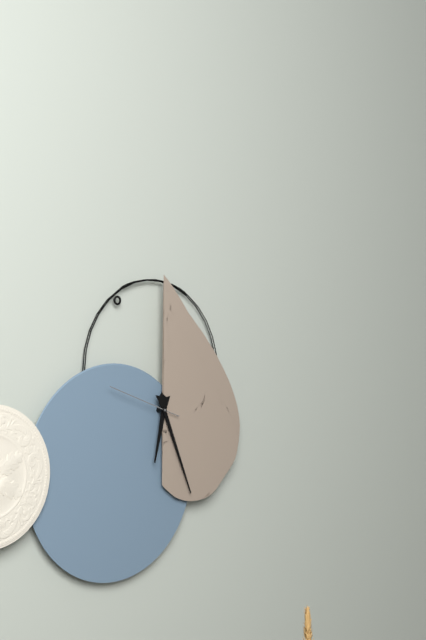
**6:26:48**
